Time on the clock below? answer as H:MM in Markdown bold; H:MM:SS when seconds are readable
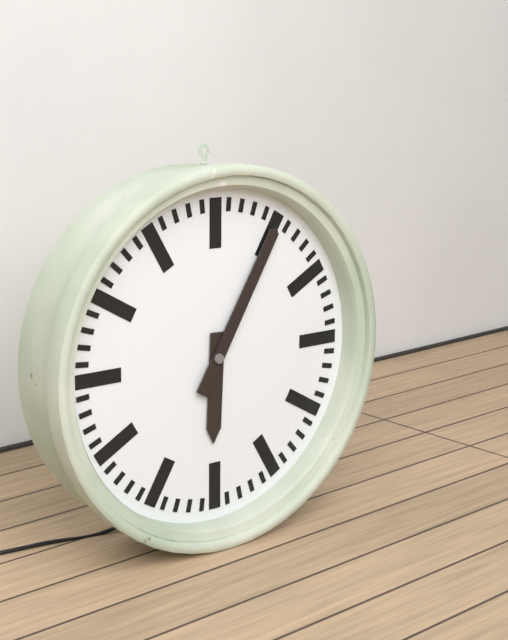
**6:05**
